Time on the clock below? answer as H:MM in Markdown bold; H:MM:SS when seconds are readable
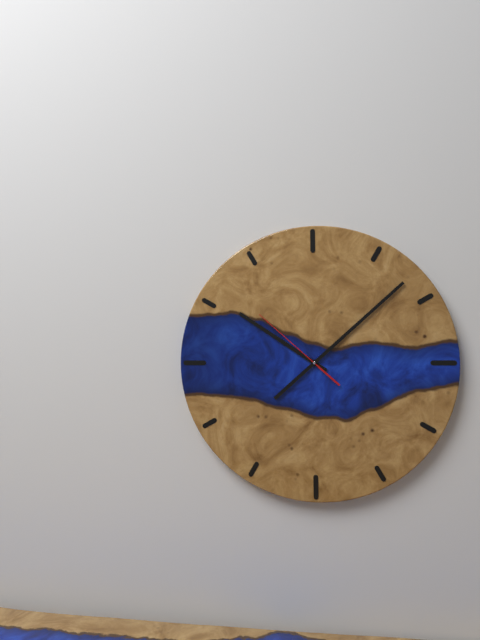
**10:08:52**
